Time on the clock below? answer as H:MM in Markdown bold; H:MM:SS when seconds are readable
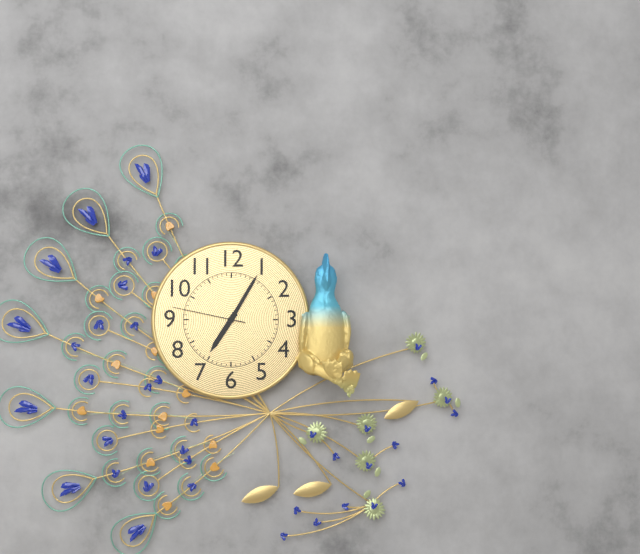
**7:05:47**
